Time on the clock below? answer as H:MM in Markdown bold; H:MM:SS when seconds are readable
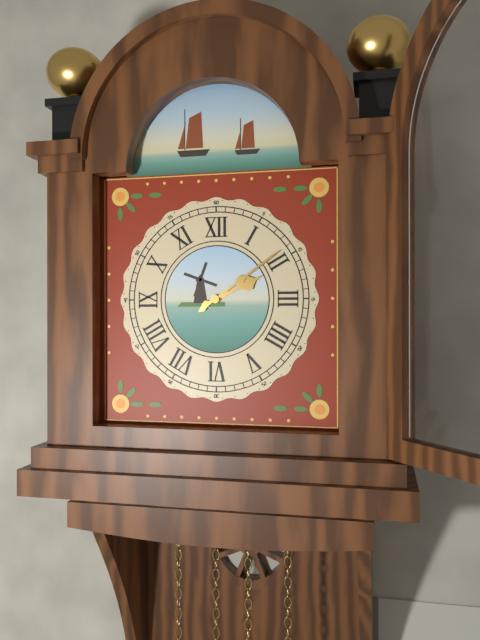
**2:09**
